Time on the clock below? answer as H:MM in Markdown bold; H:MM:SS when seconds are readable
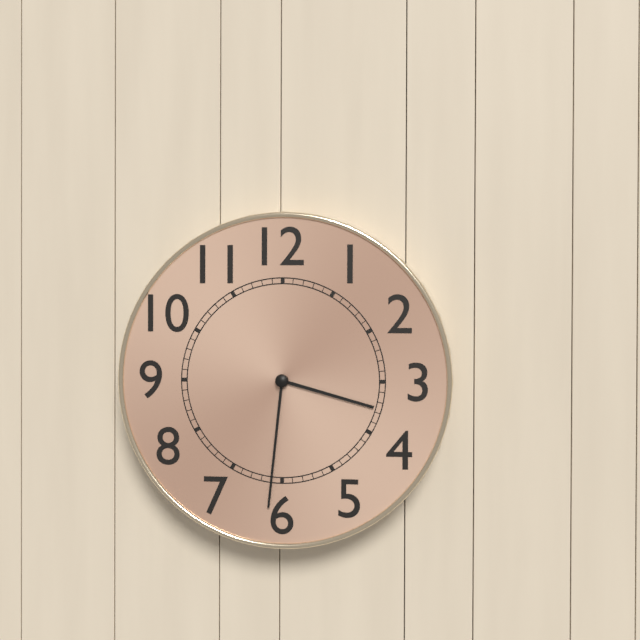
**3:31**
